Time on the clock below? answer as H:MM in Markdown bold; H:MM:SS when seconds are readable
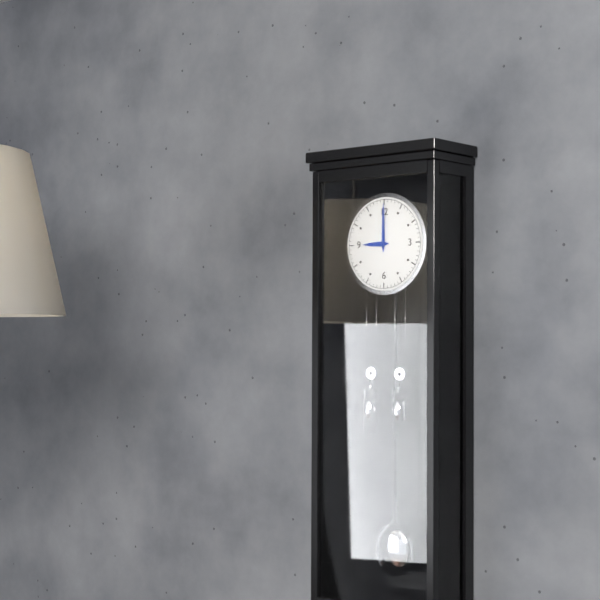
**9:00**
